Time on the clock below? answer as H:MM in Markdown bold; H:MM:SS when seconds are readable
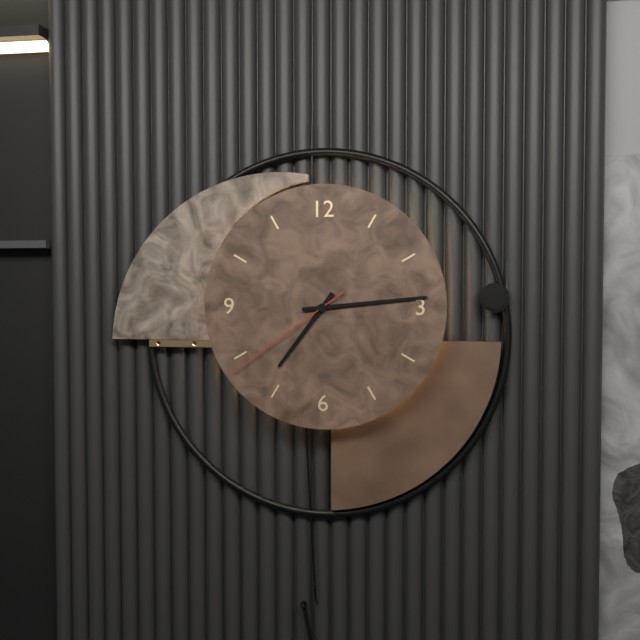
**7:14:39**
